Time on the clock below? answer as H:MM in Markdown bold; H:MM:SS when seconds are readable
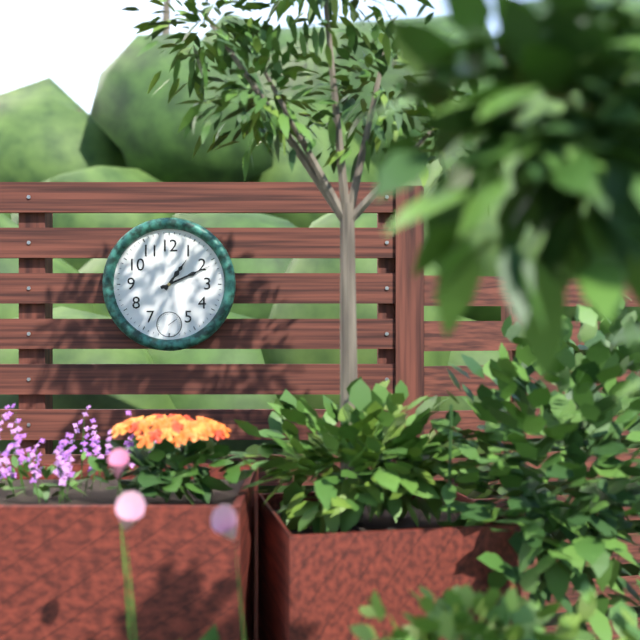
**1:11**
